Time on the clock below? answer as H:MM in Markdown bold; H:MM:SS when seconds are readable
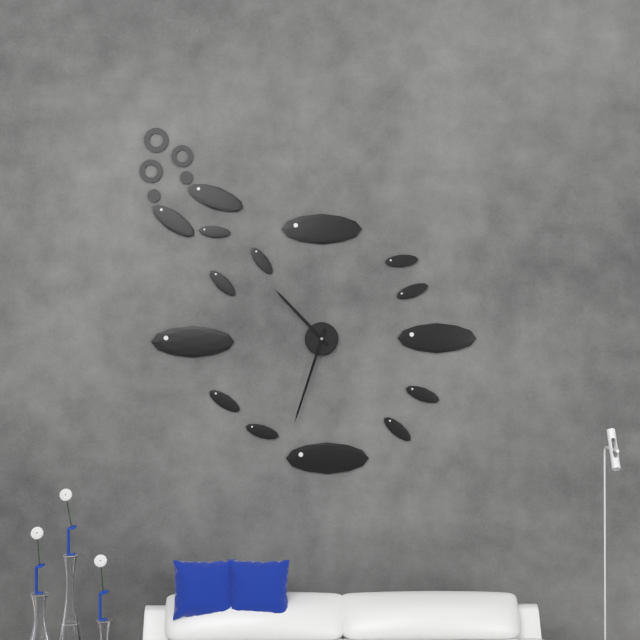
**10:33**
